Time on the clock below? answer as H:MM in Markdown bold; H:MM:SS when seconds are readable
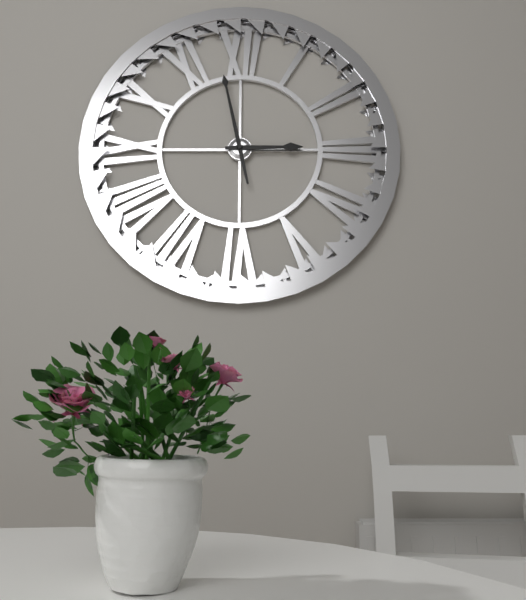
**2:58**
